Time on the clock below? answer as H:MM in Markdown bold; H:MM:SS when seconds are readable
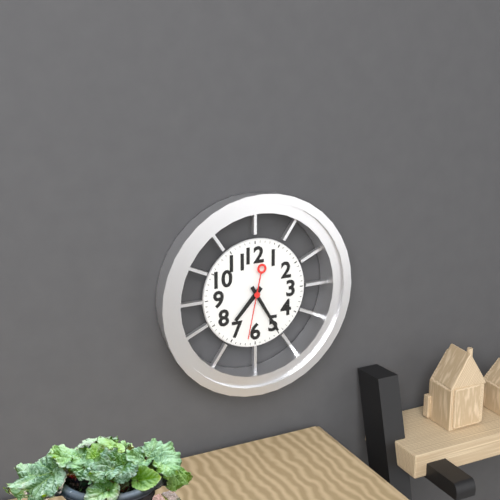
**7:25:32**
